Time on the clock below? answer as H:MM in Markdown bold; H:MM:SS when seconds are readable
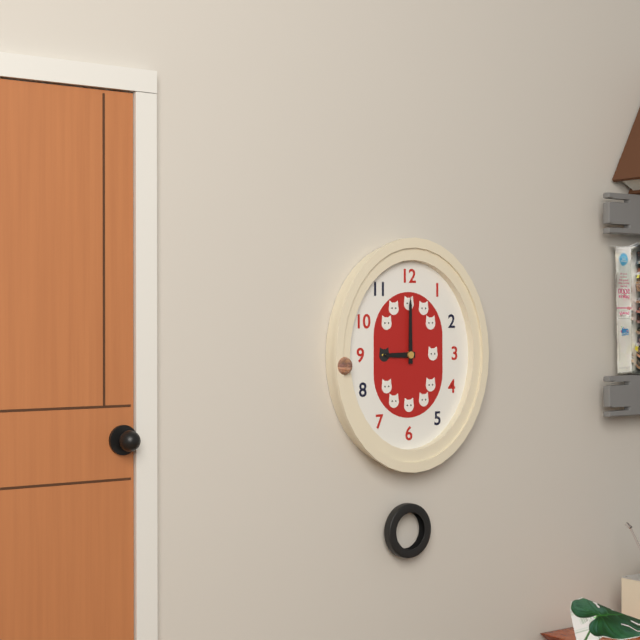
**9:00**
